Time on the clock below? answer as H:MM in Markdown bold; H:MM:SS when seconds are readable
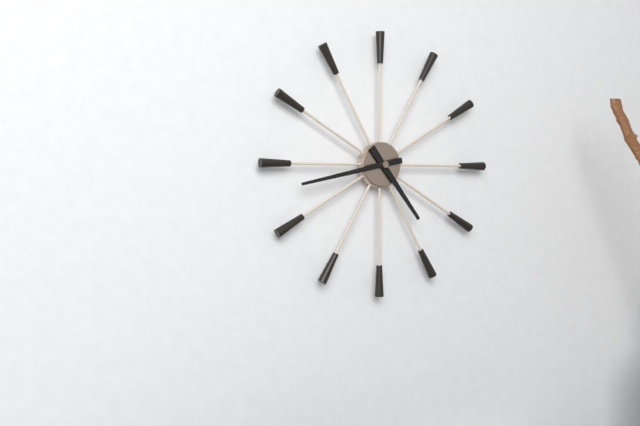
**4:43**
